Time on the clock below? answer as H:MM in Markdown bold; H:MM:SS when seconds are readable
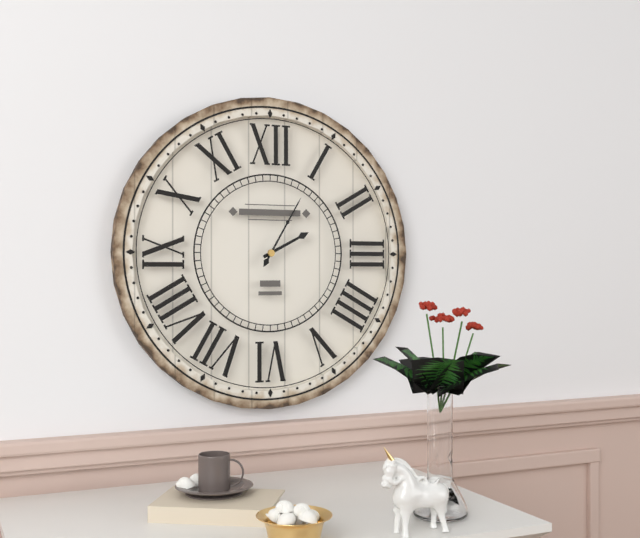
**2:05**
